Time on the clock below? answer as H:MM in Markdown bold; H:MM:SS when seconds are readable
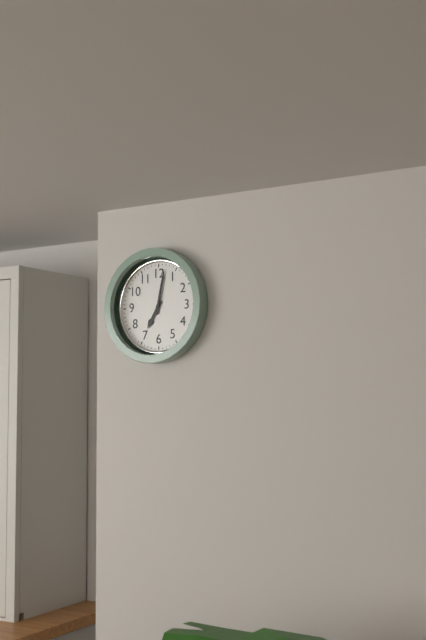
**7:02**
